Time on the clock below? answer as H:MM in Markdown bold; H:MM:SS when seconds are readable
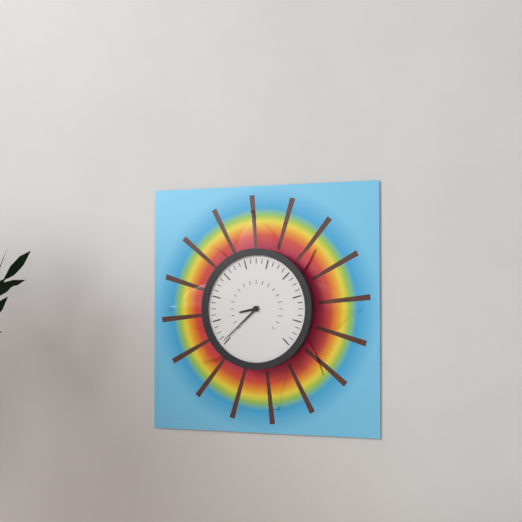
**8:38**
